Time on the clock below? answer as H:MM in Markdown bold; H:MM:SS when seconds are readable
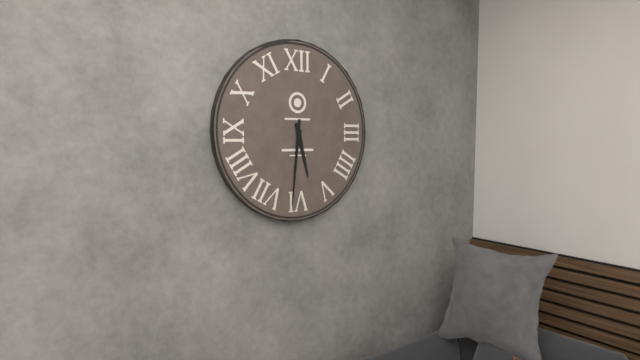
**5:31**
